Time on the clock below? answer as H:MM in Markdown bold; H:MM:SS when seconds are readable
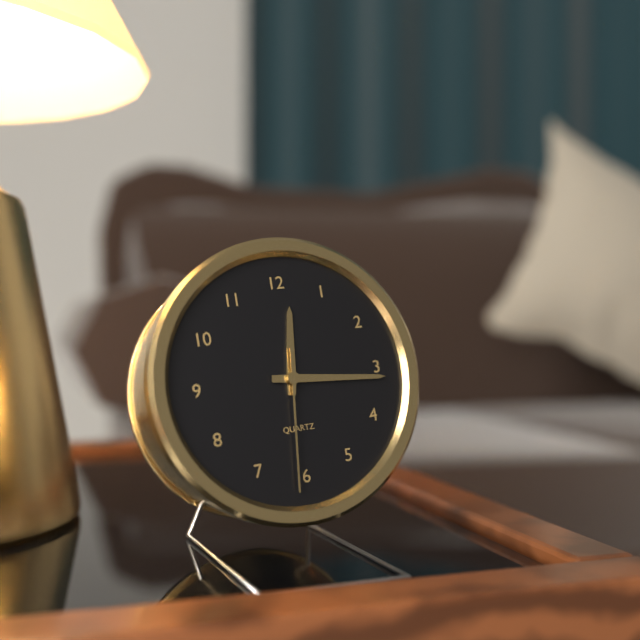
**12:16:31**
